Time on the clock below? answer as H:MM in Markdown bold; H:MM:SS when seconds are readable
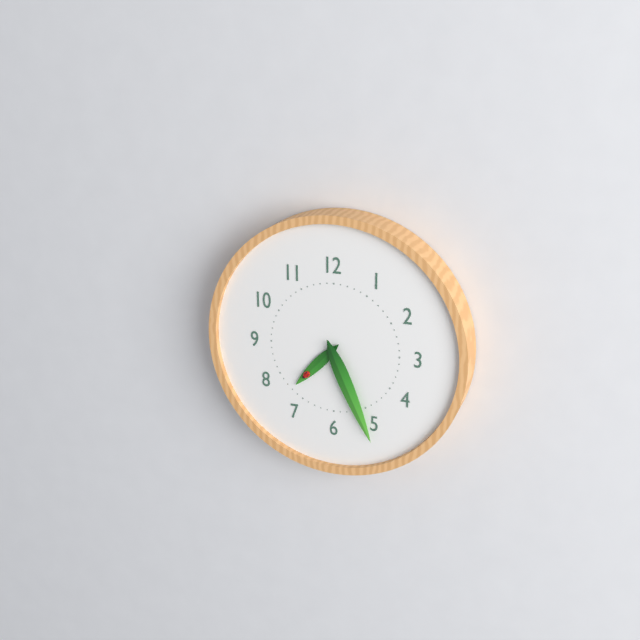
**7:26**
